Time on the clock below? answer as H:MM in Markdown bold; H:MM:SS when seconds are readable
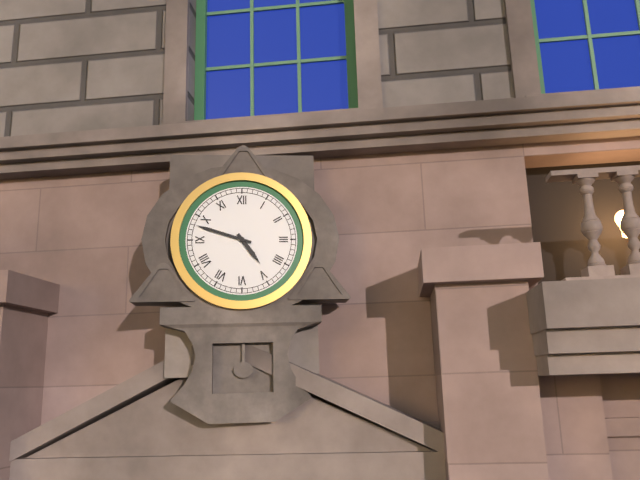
**4:48**
